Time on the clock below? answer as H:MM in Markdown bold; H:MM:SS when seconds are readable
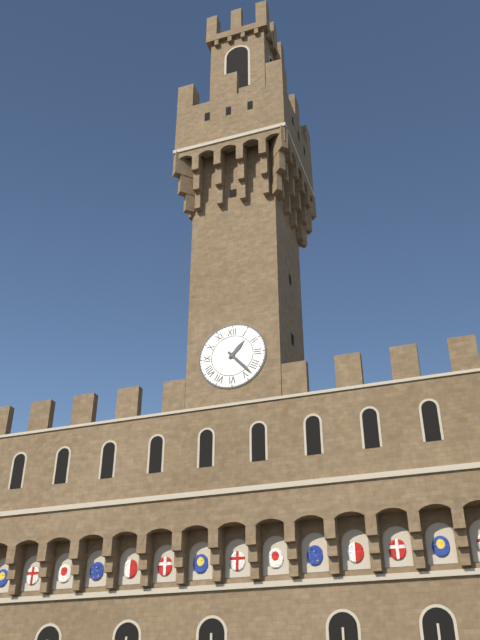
**1:23**
